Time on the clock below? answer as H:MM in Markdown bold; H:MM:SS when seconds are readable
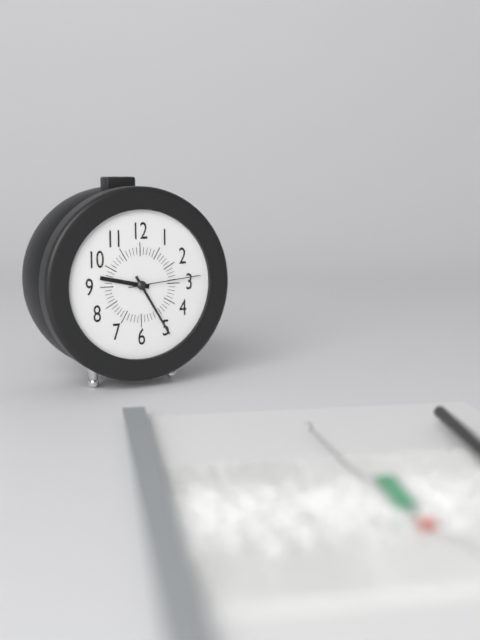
**9:25:14**
